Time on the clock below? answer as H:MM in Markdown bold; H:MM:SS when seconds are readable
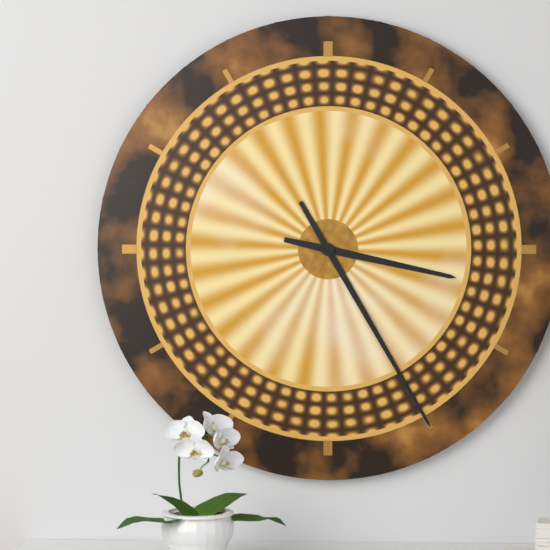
**3:25**
